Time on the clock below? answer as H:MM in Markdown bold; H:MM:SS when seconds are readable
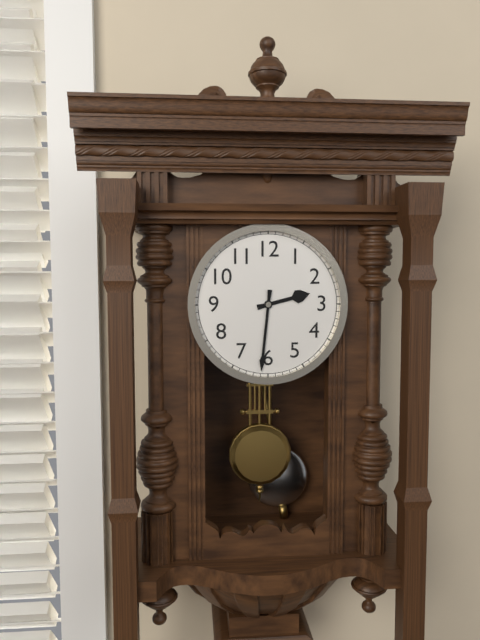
**2:31**
